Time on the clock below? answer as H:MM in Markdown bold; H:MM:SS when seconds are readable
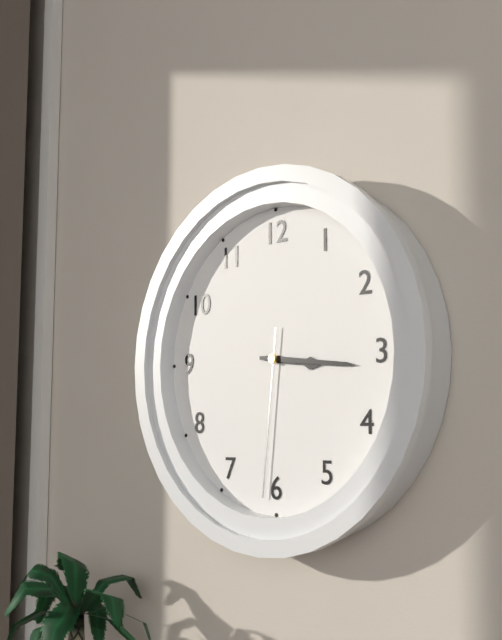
**3:16:31**
